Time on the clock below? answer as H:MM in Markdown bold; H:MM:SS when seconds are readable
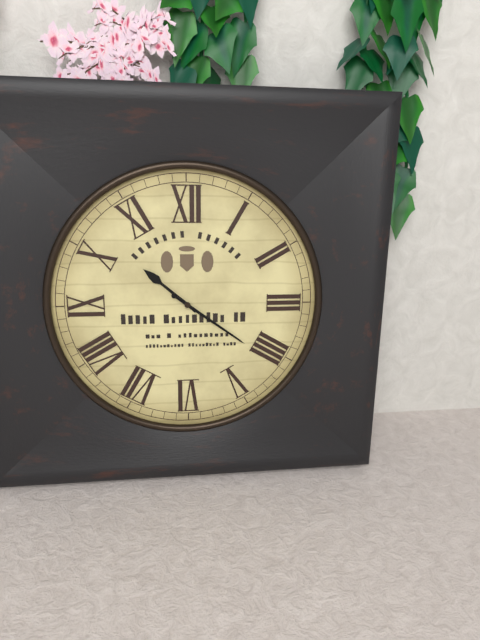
**10:21**
